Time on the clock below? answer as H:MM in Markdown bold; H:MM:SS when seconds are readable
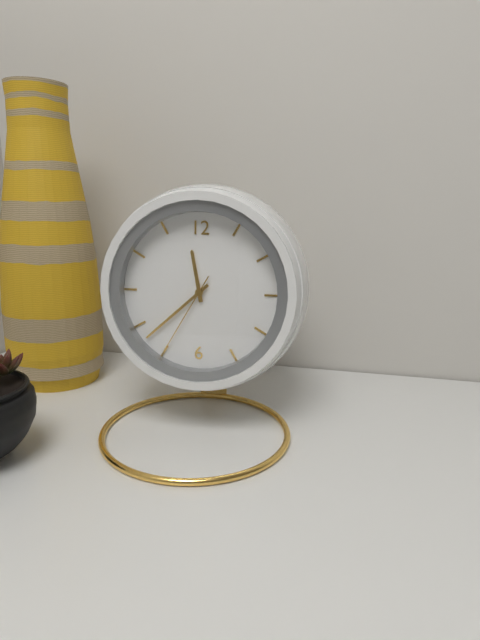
**11:38:35**
